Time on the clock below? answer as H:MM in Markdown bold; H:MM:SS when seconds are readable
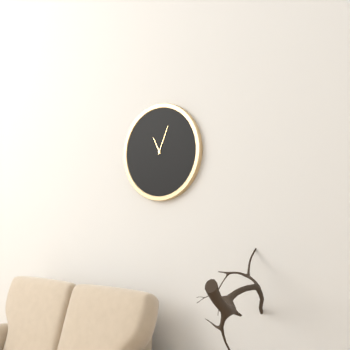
**11:04**
